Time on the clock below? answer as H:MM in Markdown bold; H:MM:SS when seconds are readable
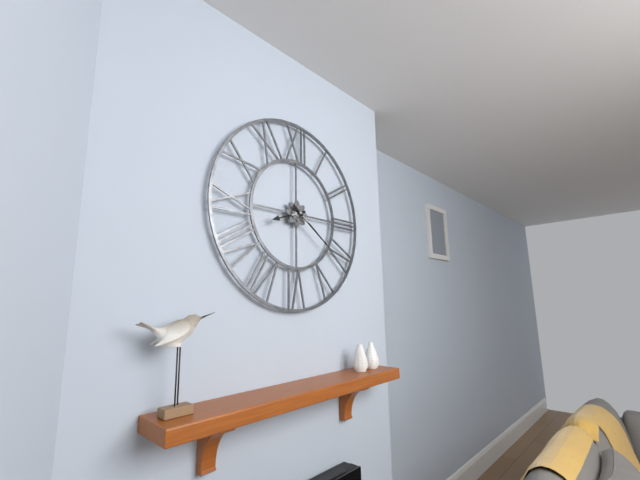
**8:21**
